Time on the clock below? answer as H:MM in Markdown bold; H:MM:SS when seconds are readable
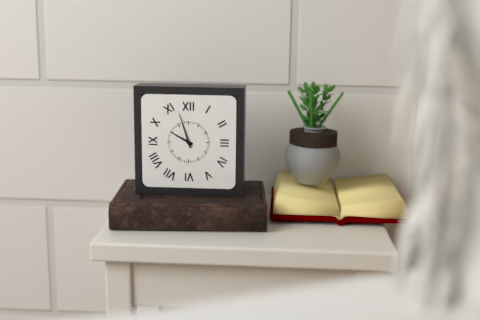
**9:57**
